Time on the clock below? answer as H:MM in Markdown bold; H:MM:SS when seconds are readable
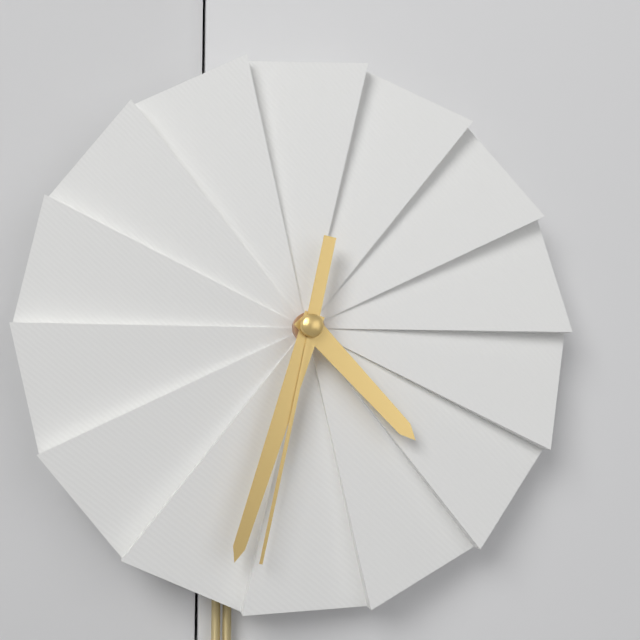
**4:33:32**
